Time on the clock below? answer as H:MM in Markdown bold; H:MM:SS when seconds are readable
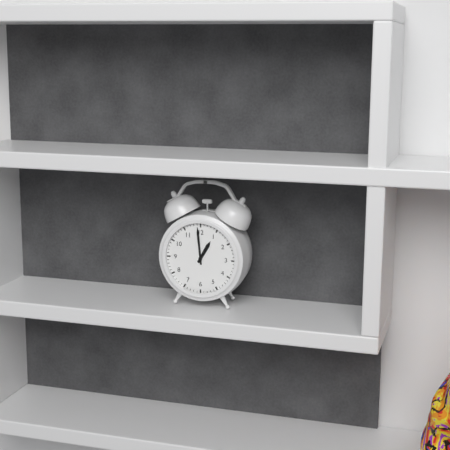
**12:59**
